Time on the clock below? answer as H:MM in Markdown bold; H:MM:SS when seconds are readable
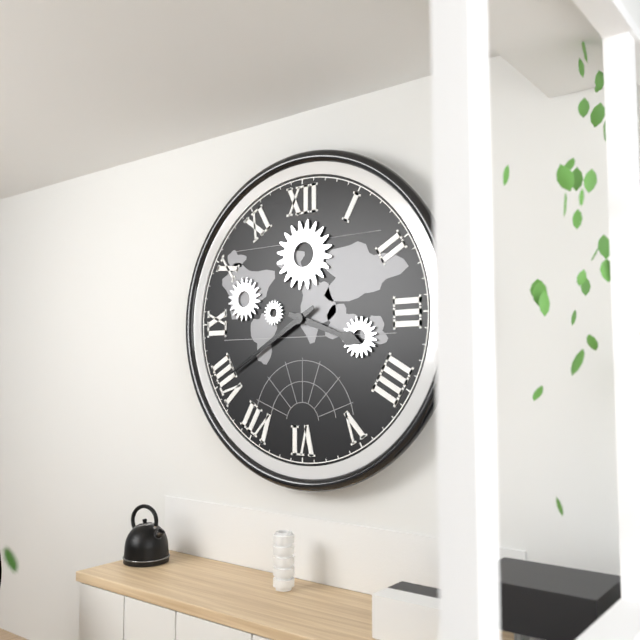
**3:40**
